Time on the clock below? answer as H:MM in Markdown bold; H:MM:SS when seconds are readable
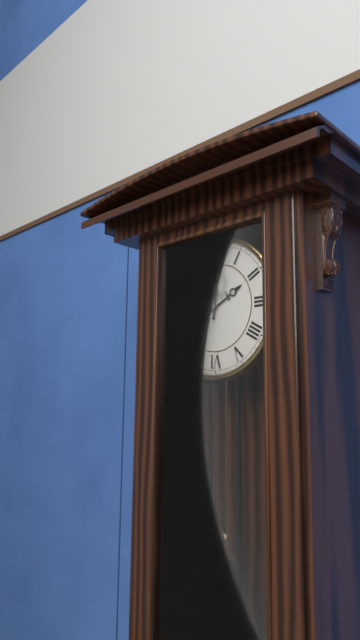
**2:01**
